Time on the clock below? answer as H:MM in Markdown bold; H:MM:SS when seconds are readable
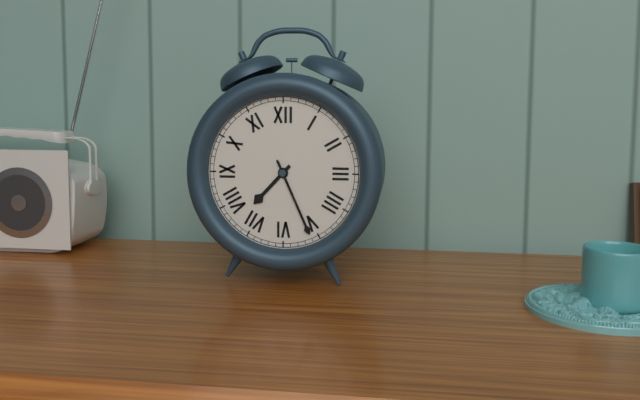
**7:26**
